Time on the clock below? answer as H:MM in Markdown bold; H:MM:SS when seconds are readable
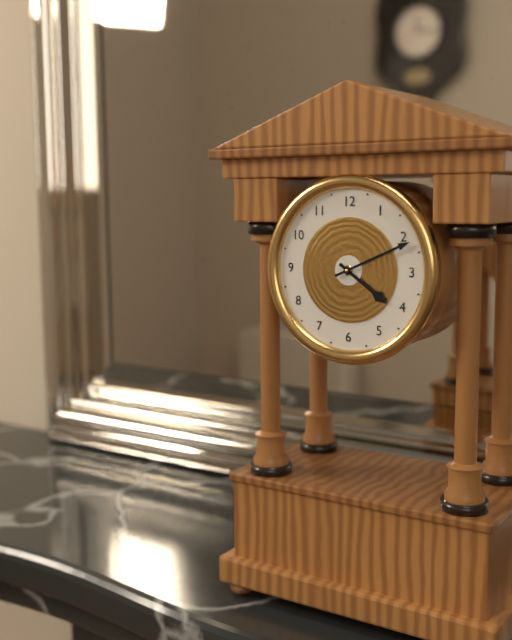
**4:11**
